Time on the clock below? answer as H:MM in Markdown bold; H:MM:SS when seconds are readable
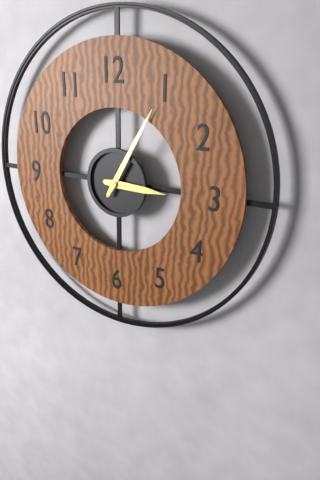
**3:05**
